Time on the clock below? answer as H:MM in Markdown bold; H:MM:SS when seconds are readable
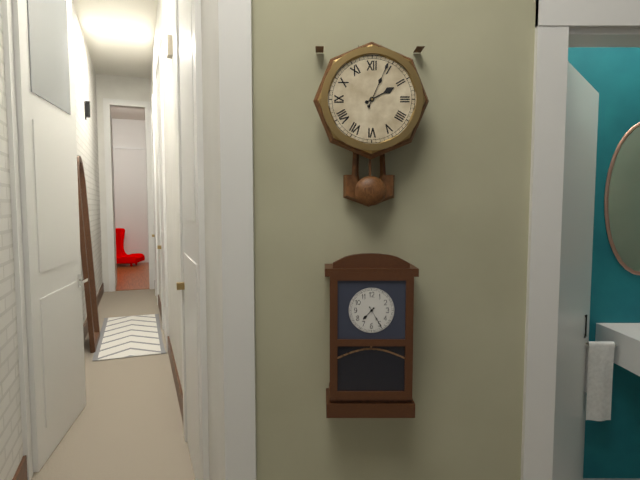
**2:04**
